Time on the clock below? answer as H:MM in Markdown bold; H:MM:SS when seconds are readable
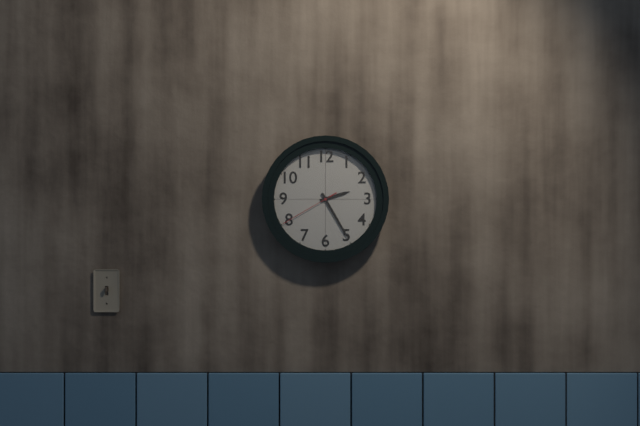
**2:25:40**
